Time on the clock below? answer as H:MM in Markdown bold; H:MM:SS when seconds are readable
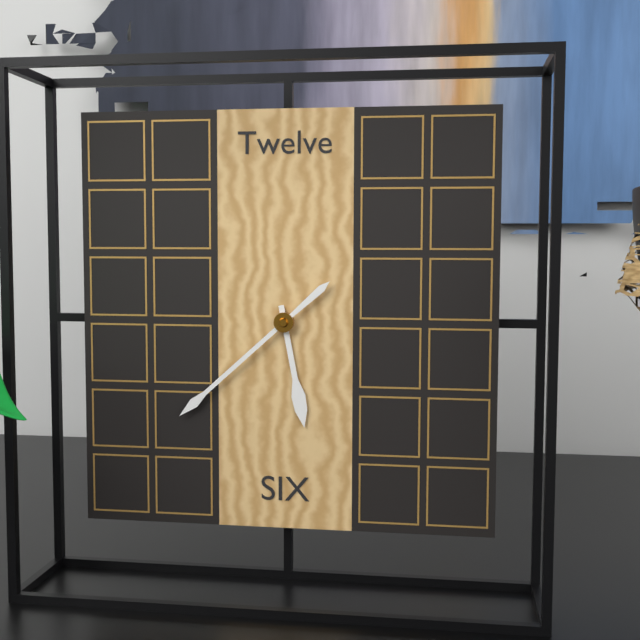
**5:38**
